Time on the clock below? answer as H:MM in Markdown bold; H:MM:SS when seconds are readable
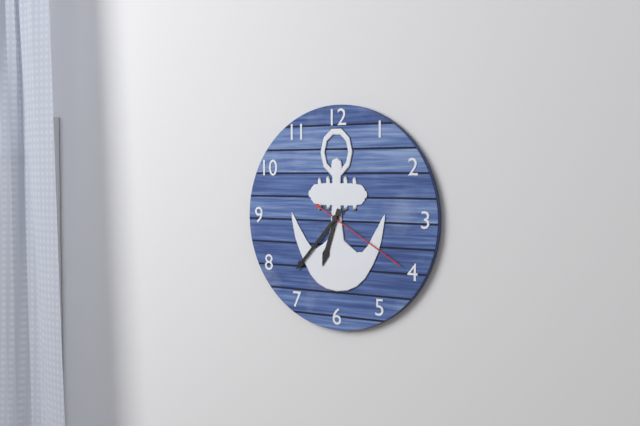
**6:37:20**
